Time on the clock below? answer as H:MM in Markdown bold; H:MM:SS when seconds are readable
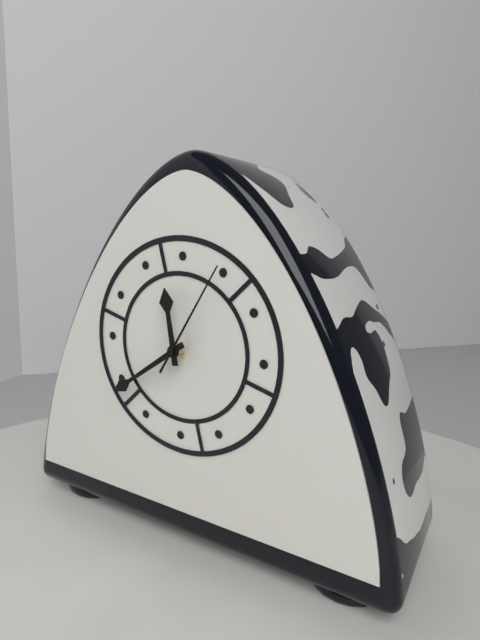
**11:39:05**
